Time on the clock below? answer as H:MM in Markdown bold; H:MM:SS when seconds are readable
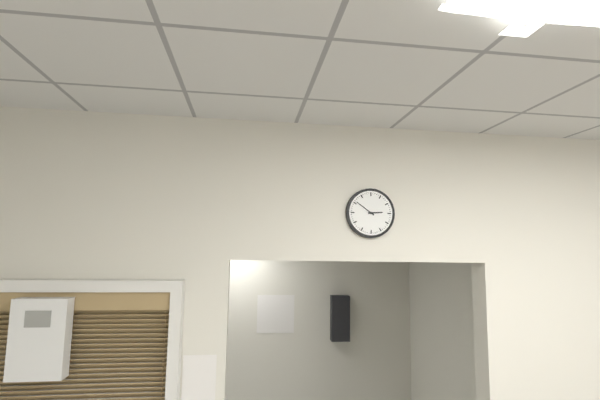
**2:51**
